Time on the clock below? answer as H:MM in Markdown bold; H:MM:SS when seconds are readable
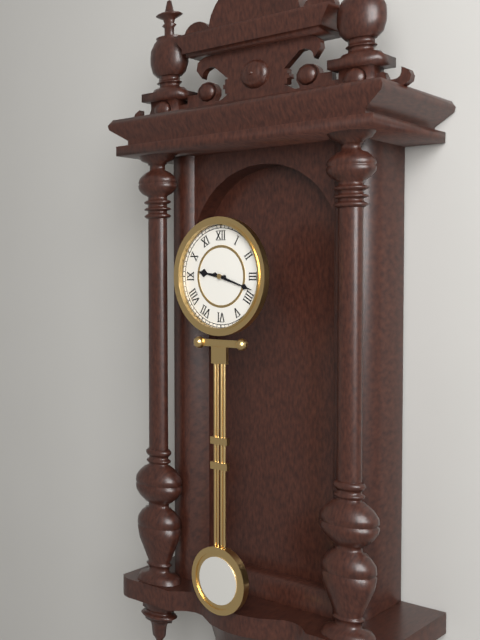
**9:18**
